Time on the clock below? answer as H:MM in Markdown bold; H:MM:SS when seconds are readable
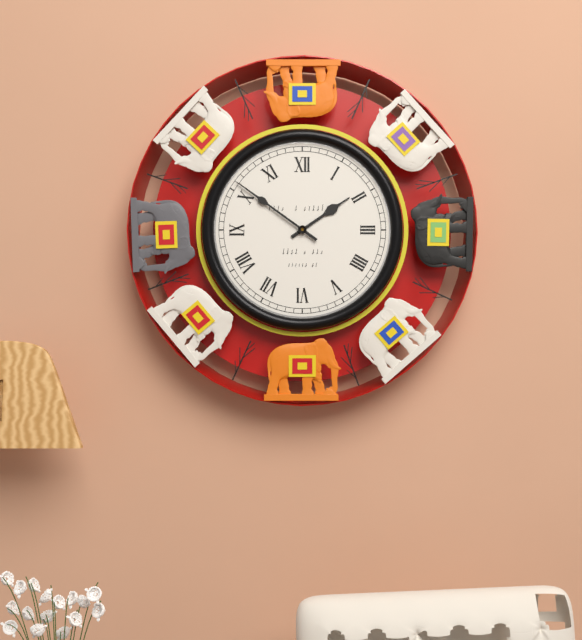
**1:51**
